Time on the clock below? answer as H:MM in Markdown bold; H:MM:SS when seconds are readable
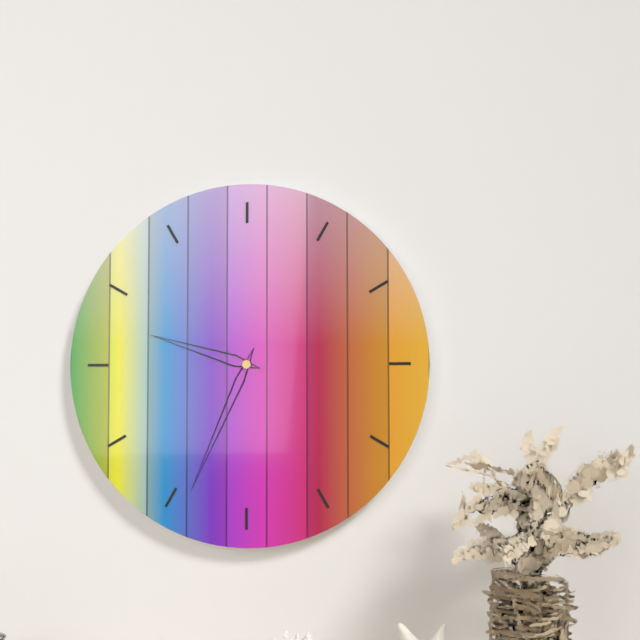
**9:34**
